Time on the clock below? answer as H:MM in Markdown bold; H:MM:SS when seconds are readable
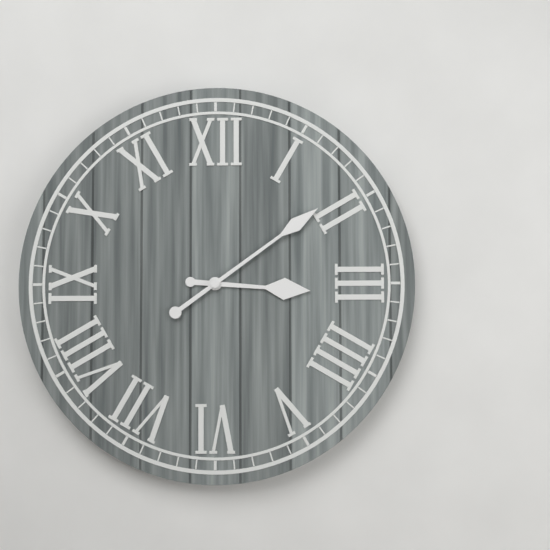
**3:09**
